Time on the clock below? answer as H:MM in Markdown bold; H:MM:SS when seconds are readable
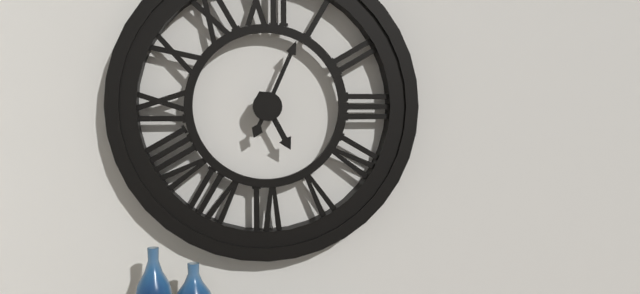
**5:04**
